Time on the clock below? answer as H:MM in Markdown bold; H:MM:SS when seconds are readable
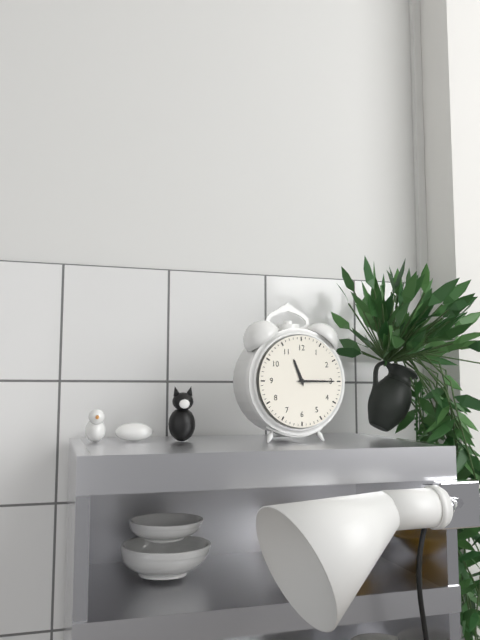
**11:15**
